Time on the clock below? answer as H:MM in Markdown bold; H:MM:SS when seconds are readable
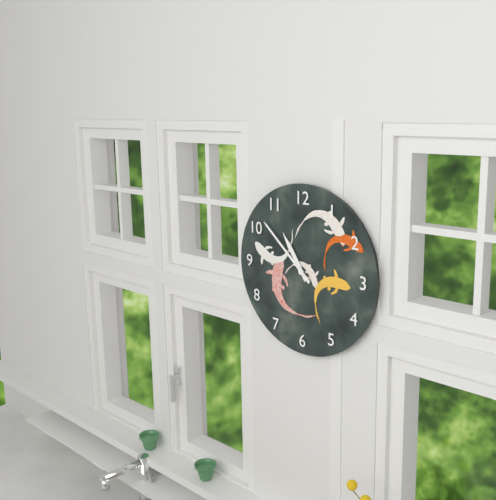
**10:52**
